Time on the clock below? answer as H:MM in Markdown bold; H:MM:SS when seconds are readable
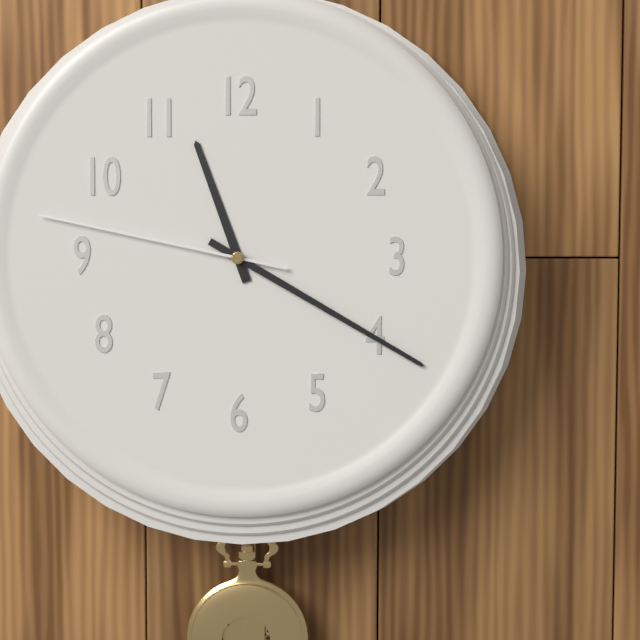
**11:20:47**
